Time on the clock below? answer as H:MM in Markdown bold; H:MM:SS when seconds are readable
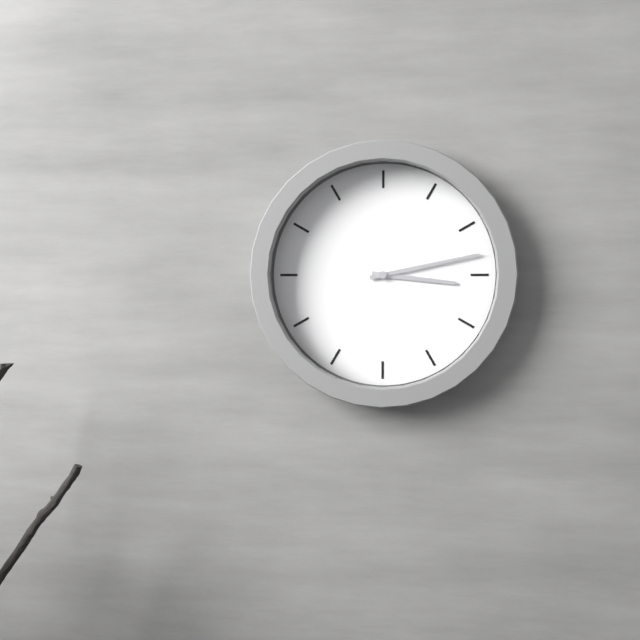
**3:13**
